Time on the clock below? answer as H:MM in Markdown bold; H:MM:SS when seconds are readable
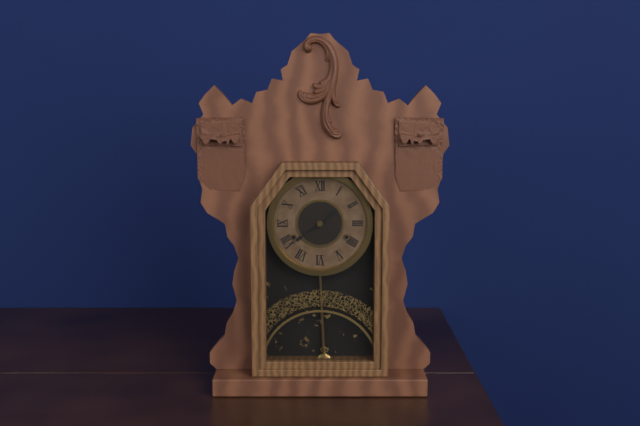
**1:39**
